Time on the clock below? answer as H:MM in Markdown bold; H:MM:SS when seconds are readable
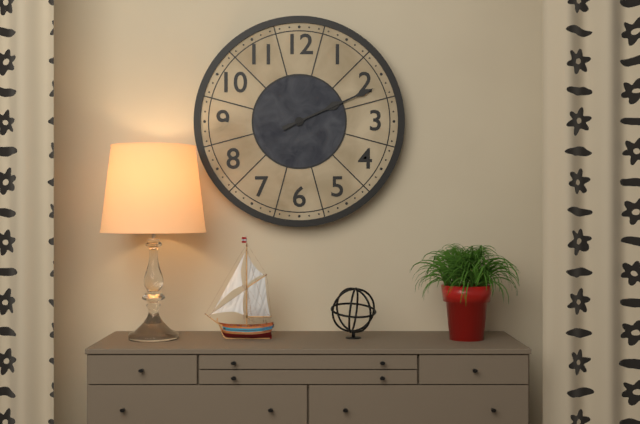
**2:11**
